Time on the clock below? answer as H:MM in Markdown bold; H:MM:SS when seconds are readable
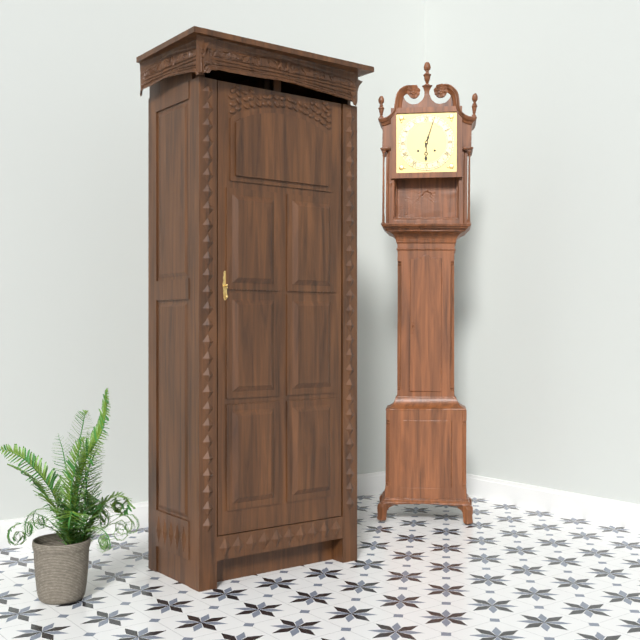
**6:03**
